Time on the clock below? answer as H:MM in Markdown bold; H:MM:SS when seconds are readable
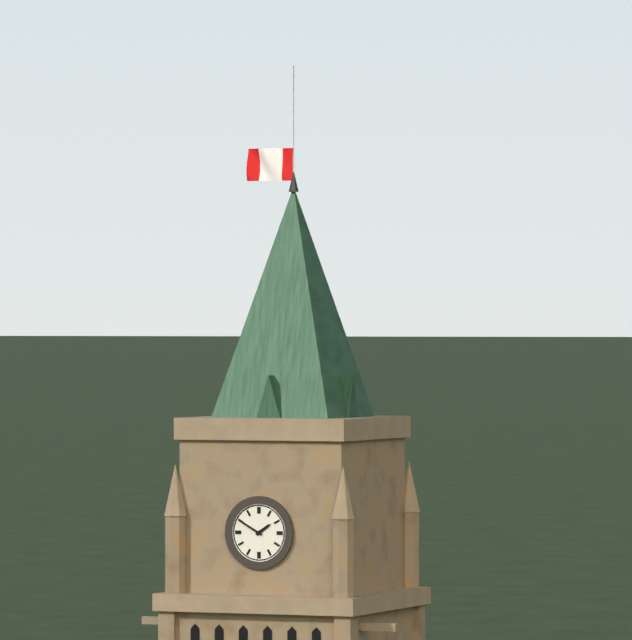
**1:50**
